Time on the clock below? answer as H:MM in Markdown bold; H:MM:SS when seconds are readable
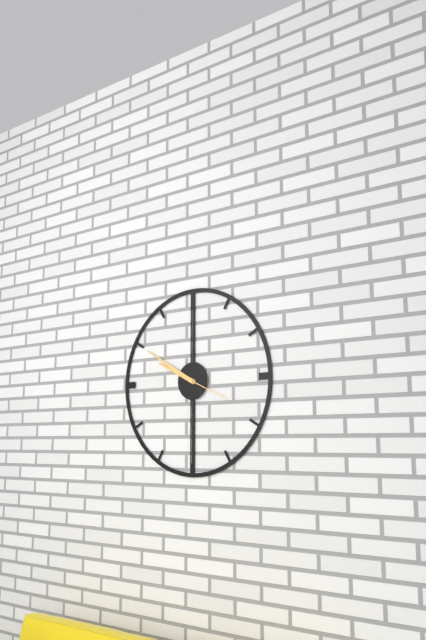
**9:50:19**
